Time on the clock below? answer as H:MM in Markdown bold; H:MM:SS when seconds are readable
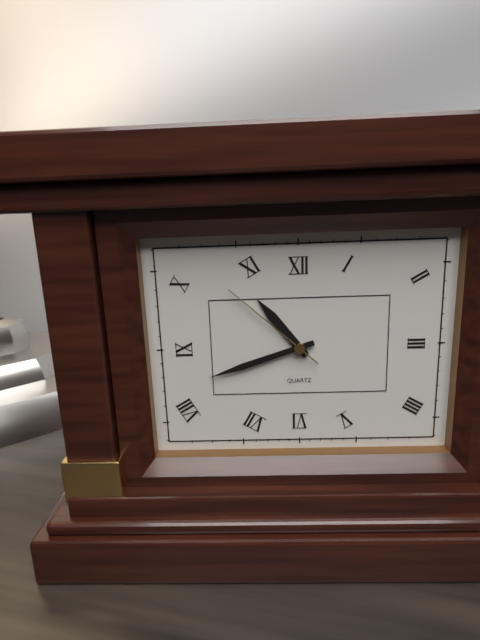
**10:42:52**
